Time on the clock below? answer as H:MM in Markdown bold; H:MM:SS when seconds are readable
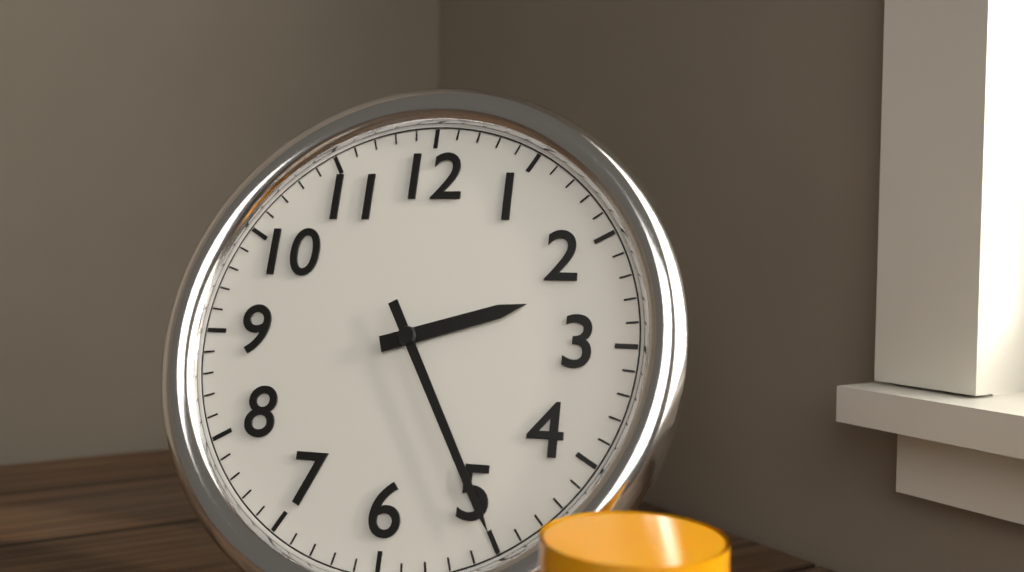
**2:25**
